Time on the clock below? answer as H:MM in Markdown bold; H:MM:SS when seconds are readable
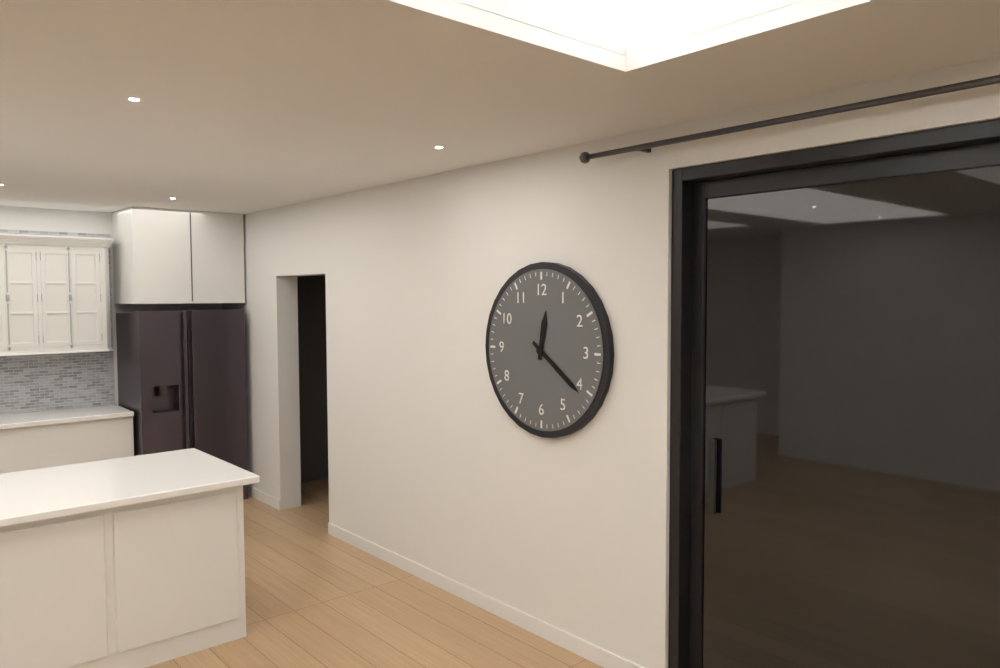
**12:21**
